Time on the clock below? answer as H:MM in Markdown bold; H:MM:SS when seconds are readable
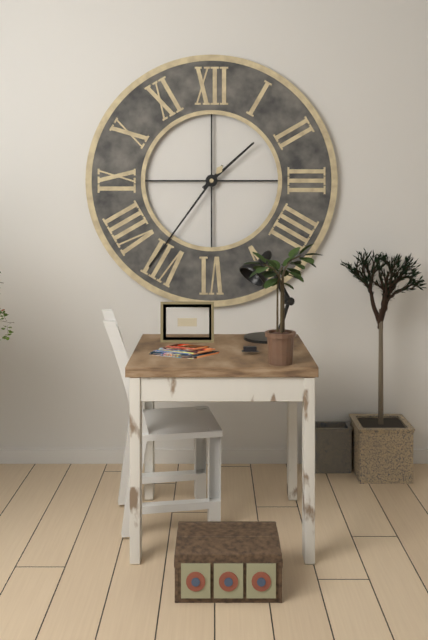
**1:36**
